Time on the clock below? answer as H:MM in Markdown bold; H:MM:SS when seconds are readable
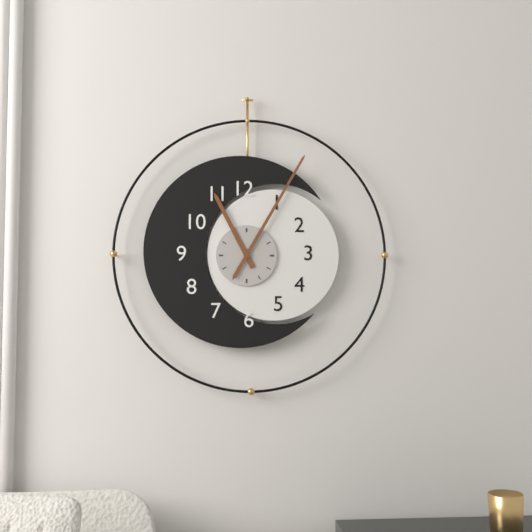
**11:05**
